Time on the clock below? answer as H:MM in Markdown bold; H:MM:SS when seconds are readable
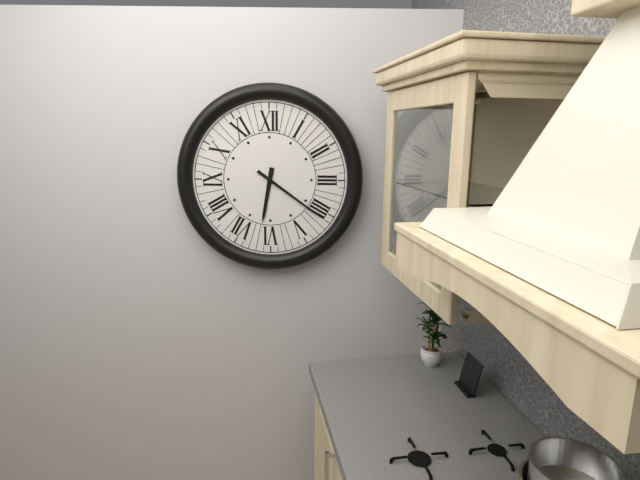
**6:21**
